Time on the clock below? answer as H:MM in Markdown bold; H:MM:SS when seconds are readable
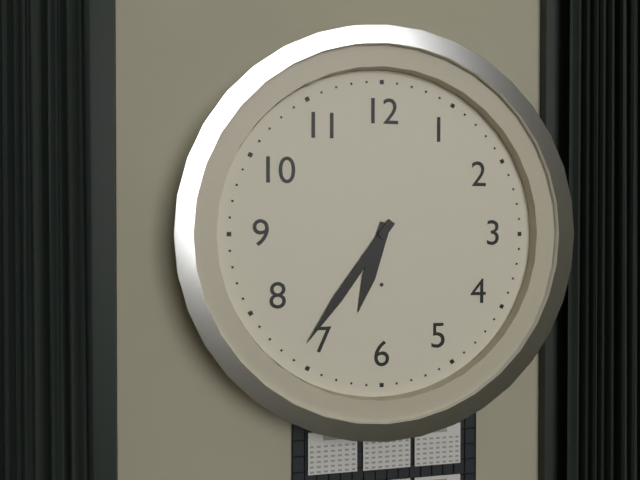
**6:36**
